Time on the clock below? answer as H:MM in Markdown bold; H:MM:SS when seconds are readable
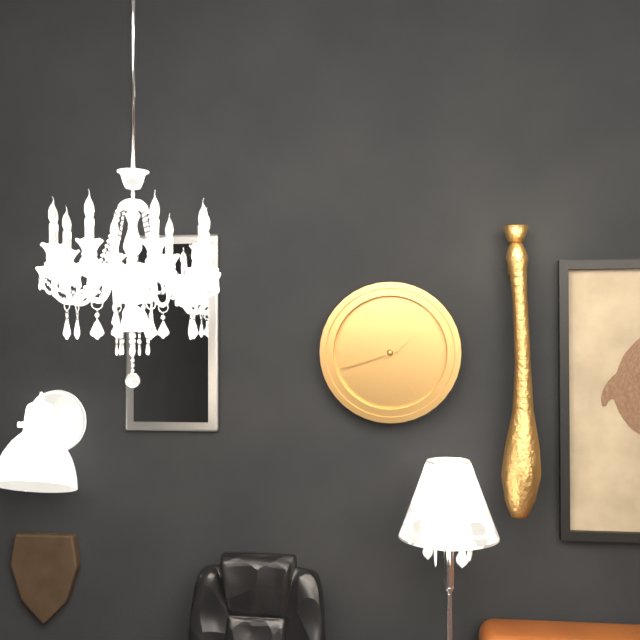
**1:42**
